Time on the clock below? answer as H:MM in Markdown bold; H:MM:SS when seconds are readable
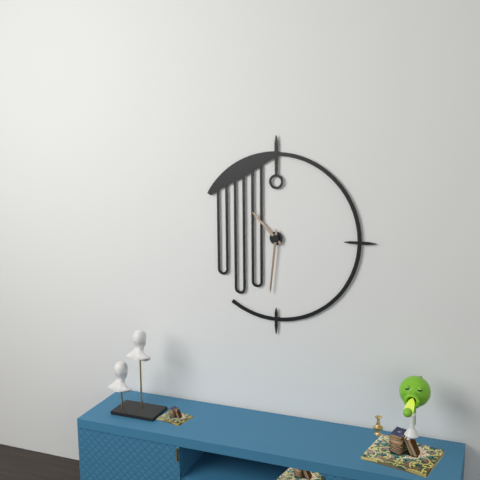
**10:31**
